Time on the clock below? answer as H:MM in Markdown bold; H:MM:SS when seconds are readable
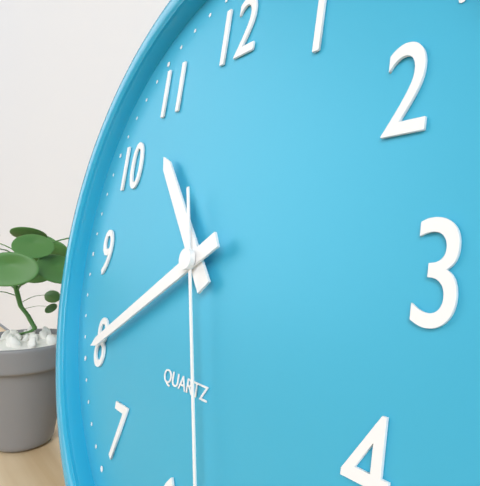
**10:40**
